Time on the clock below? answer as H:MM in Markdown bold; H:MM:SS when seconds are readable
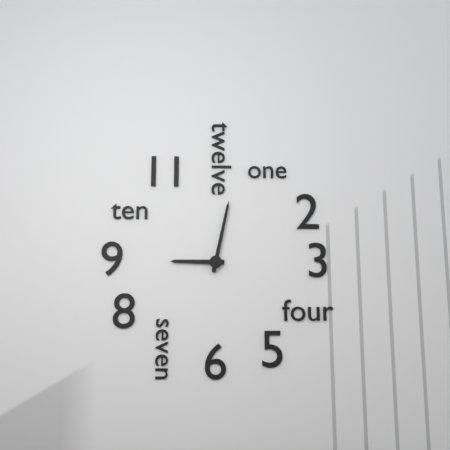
**9:02**
